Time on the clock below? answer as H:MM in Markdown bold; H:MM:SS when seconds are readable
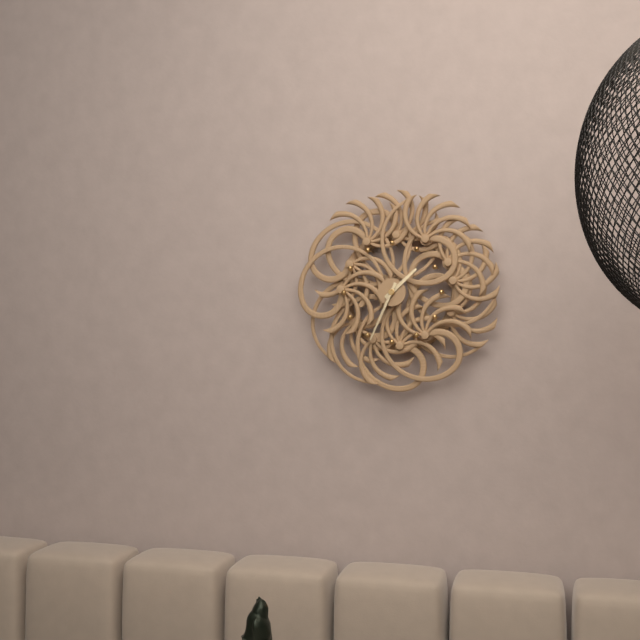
**1:34**
